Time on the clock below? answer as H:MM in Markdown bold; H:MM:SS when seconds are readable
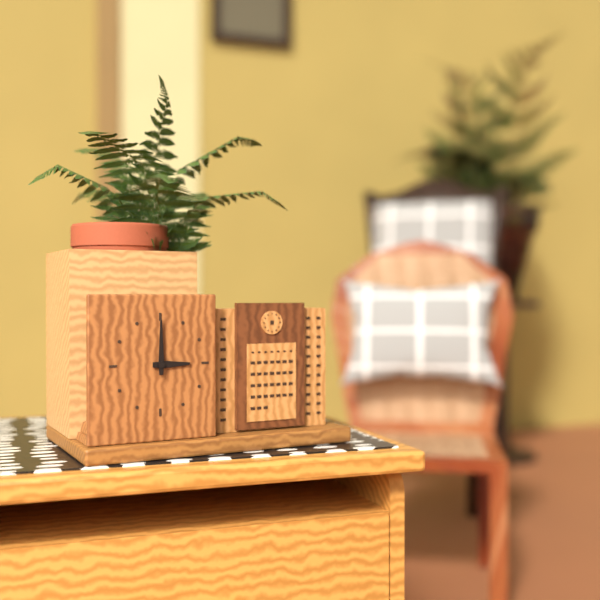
**3:00**
